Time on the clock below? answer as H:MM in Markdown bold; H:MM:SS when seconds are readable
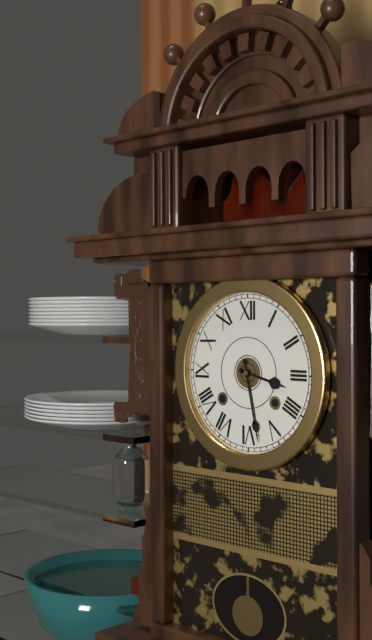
**3:28**
